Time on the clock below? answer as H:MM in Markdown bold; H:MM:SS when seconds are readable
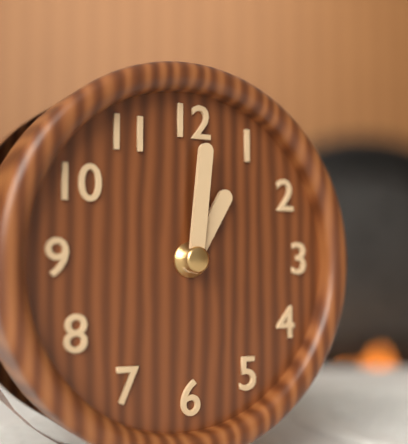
**1:01**
